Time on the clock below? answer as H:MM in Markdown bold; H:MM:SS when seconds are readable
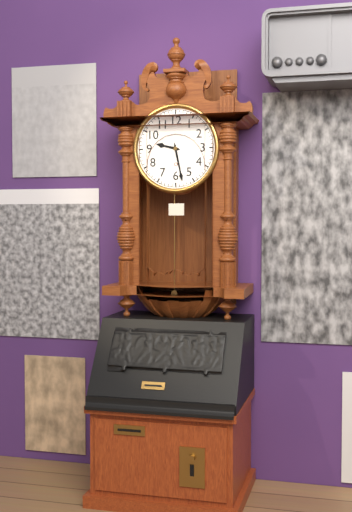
**9:28**
